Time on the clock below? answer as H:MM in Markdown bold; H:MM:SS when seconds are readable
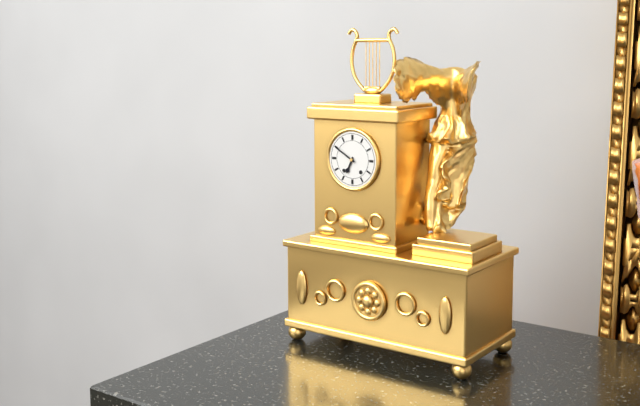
**6:50**
